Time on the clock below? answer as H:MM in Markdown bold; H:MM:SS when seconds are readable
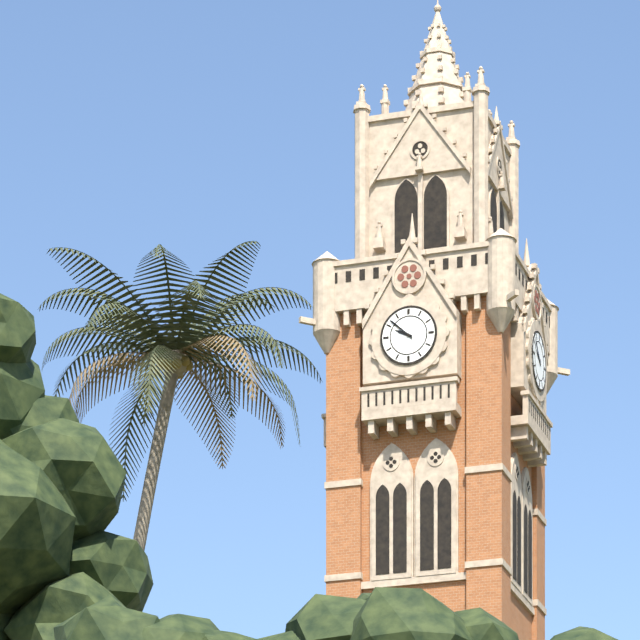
**9:52**
